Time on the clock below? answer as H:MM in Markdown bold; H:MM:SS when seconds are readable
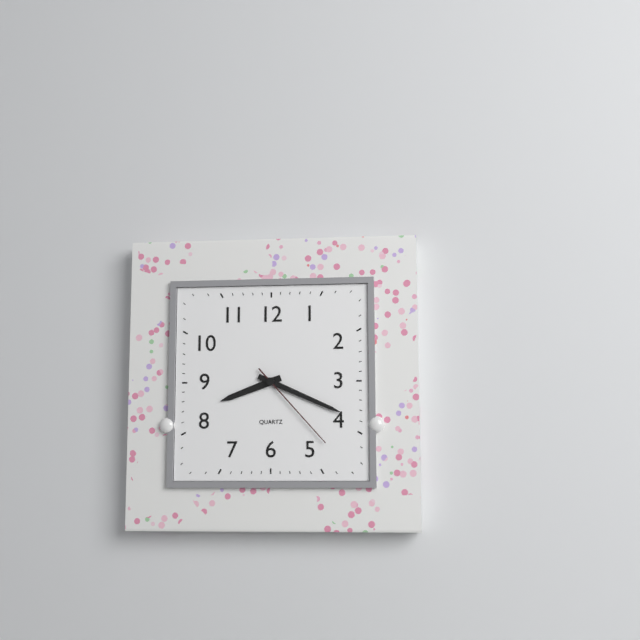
**8:19:23**
